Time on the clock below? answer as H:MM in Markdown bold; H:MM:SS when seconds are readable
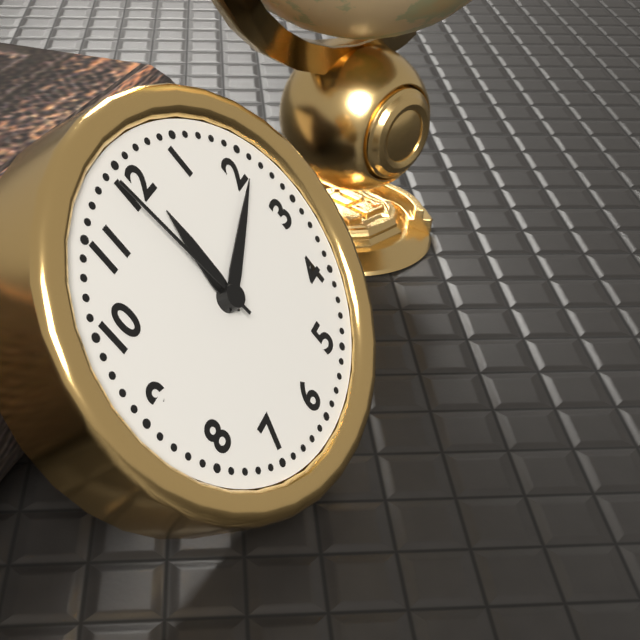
**12:11:59**
